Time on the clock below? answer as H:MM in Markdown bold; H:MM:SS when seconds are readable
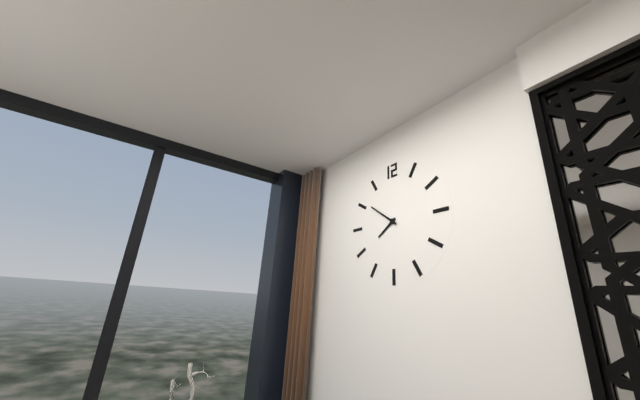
**7:51**
